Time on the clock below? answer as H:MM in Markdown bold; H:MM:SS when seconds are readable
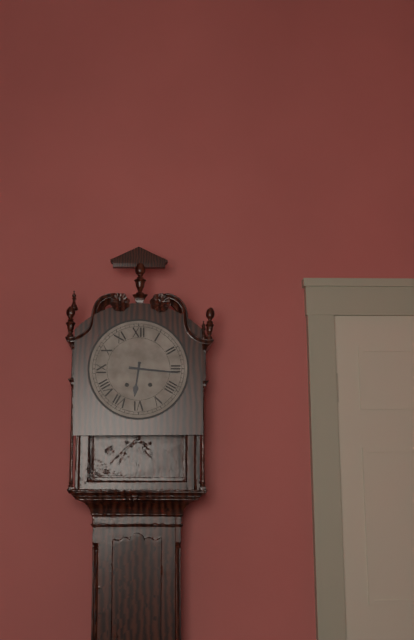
**6:16**
